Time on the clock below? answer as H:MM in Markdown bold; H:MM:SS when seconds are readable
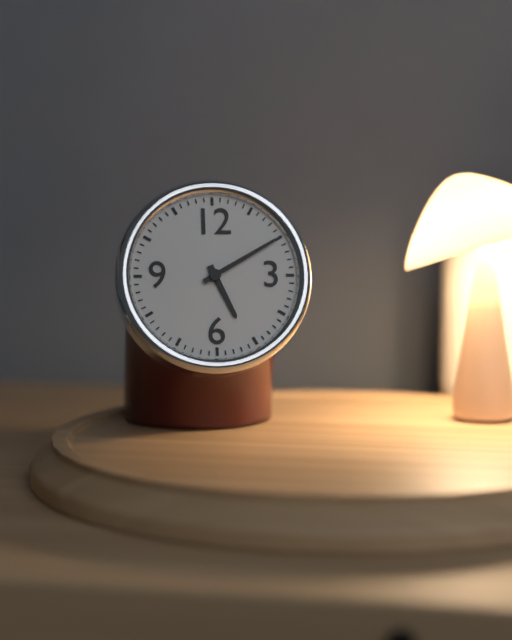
**5:10**
